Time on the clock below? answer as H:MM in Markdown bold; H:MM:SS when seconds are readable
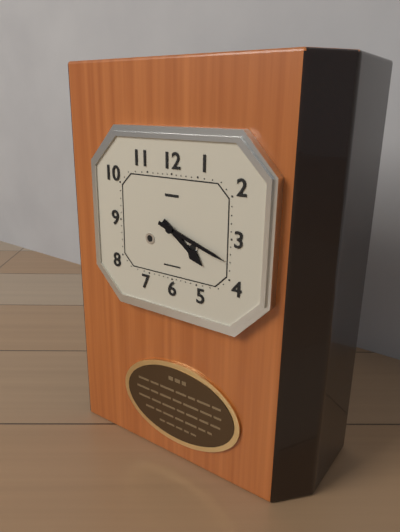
**4:18**
